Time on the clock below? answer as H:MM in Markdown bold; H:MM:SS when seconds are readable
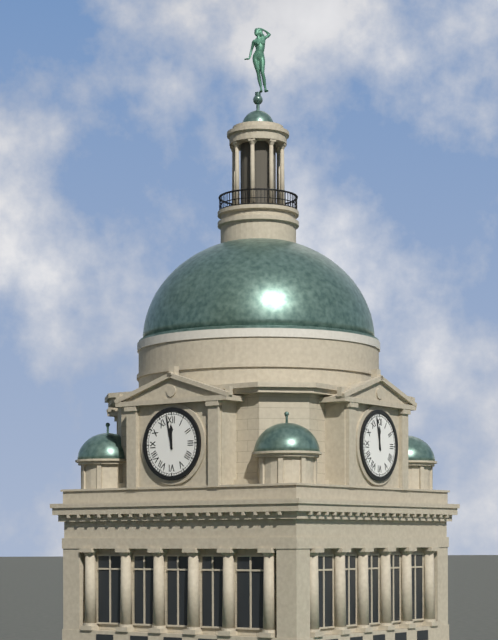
**11:58**
